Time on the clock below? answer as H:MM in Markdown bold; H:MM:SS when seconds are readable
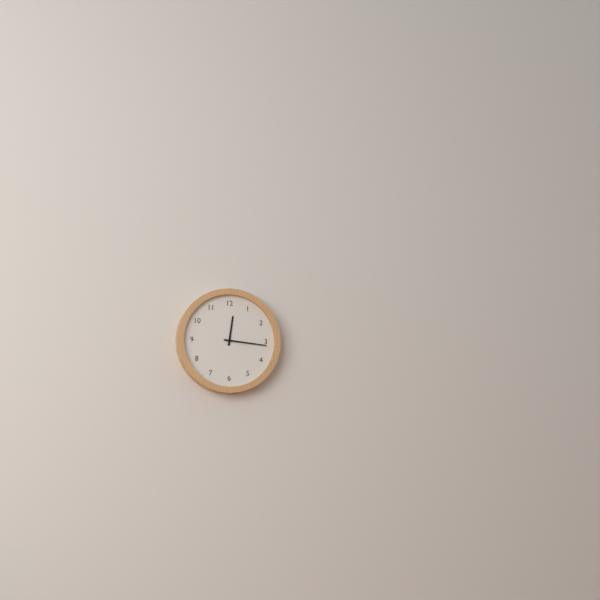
**12:16**
